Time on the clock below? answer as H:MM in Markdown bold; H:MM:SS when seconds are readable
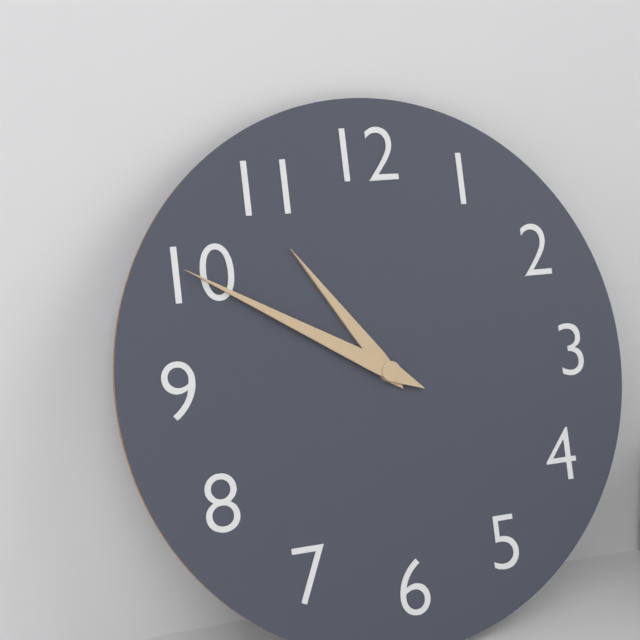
**10:50**
